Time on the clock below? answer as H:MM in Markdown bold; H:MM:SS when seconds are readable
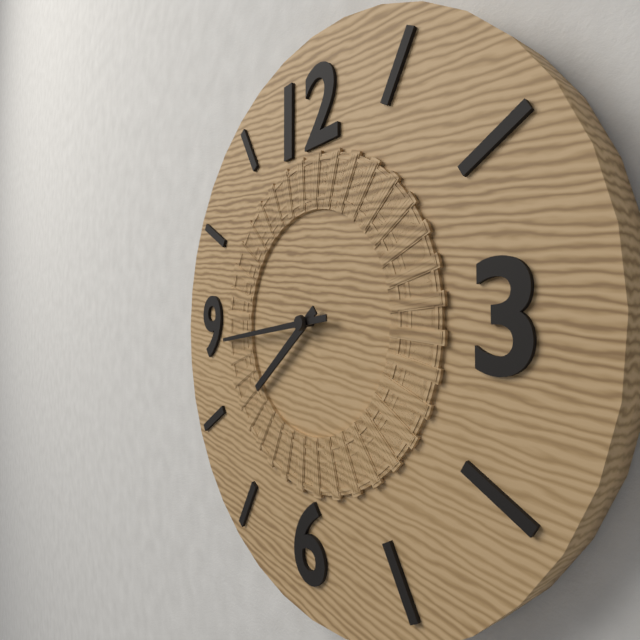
**7:44**
